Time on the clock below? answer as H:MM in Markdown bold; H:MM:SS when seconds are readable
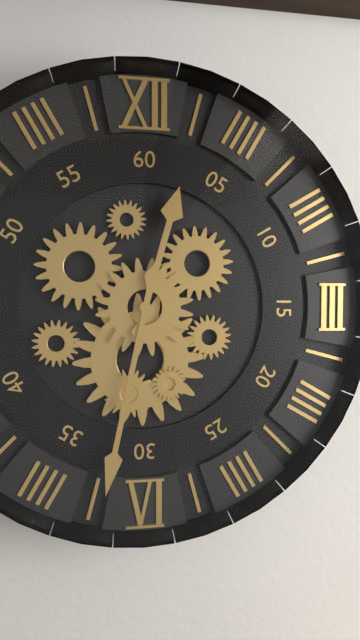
**12:32**
